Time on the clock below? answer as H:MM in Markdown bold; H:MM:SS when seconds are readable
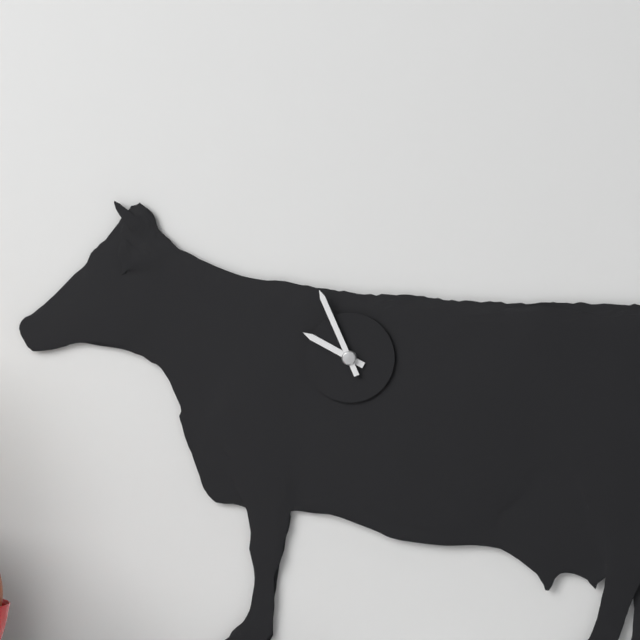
**9:56**
